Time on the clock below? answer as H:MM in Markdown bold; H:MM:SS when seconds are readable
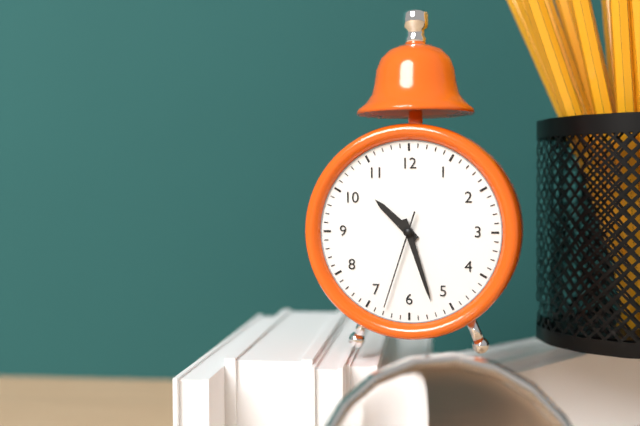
**10:27:33**
